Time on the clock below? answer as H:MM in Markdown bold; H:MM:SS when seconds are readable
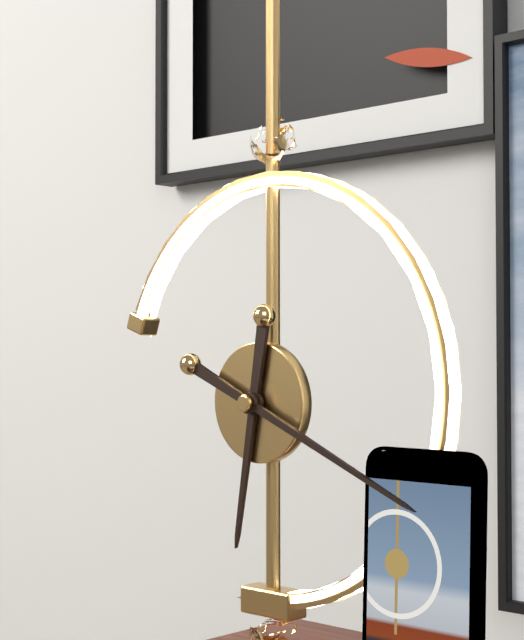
**6:19**
